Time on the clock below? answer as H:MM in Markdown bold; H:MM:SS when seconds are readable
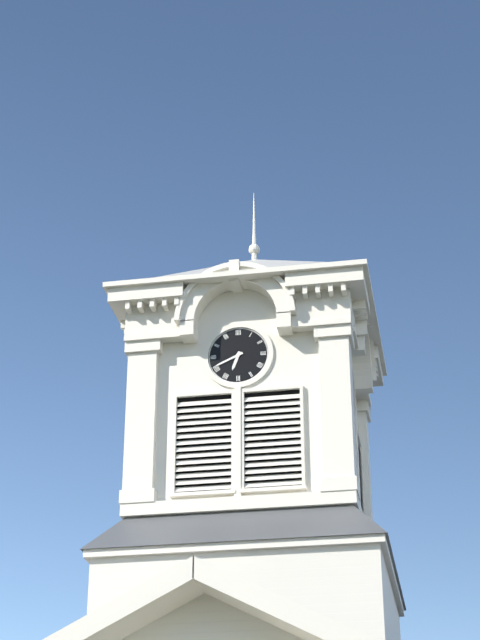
**6:41**
